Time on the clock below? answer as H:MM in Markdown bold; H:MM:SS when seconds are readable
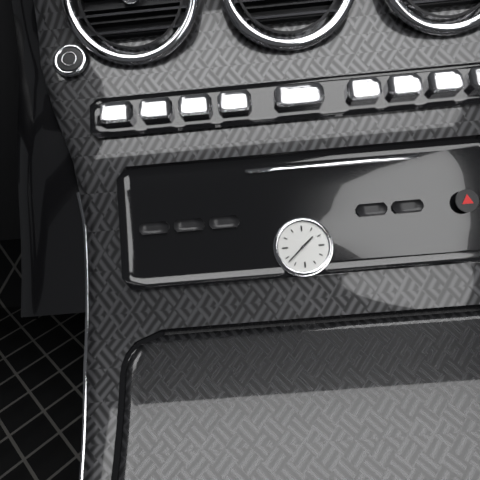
**1:38**
